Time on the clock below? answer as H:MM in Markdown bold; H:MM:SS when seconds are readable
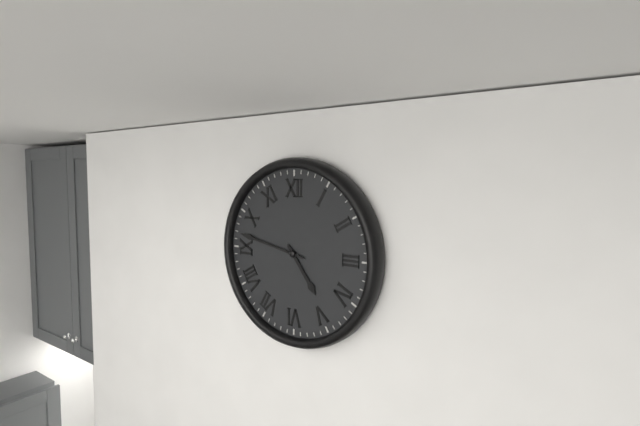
**4:47**
